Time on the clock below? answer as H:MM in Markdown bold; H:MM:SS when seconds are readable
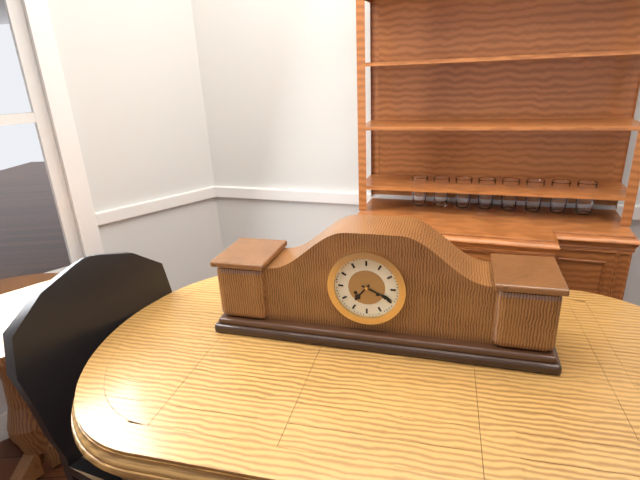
**7:19**
